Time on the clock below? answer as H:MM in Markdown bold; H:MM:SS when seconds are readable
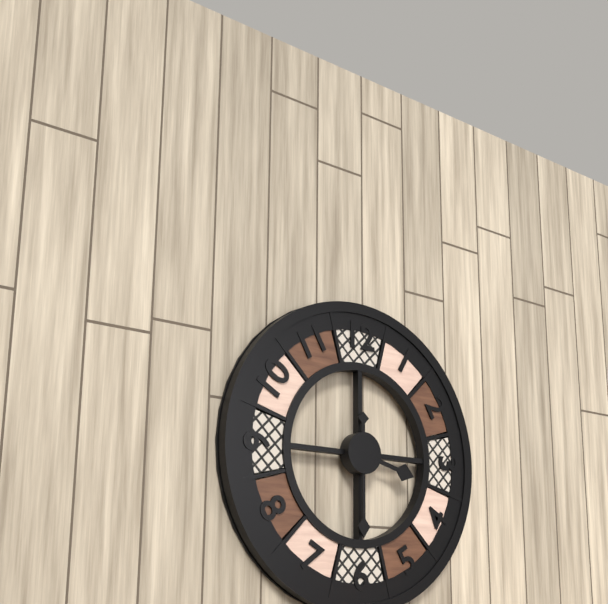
**3:30**
